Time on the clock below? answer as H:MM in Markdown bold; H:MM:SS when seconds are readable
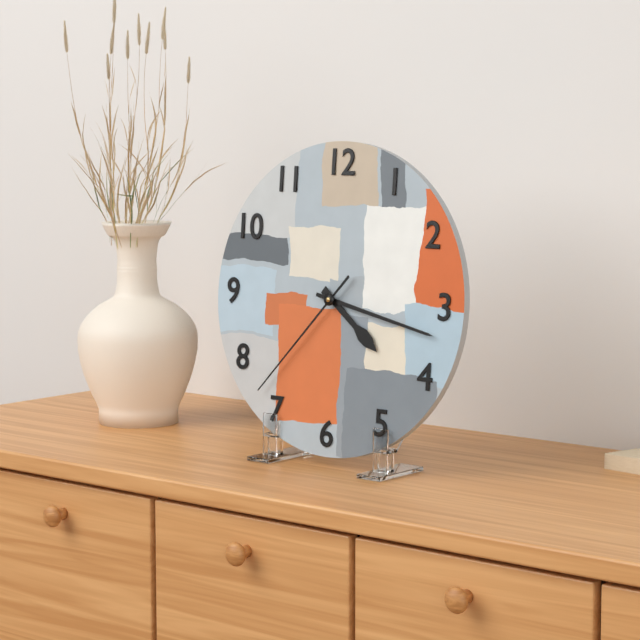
**4:17:37**
